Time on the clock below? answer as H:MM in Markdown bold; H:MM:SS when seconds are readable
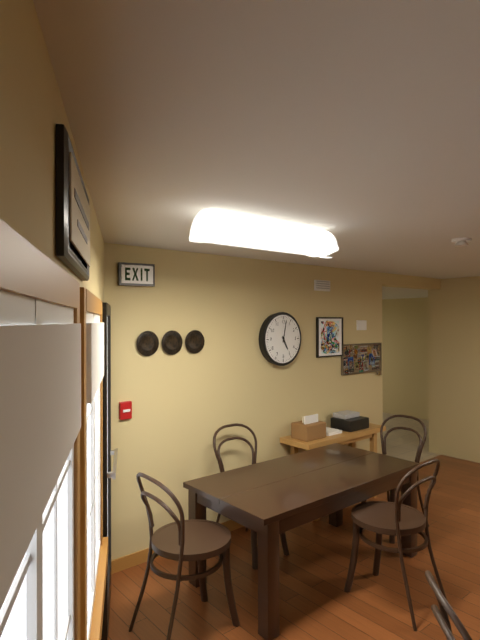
**5:02**
